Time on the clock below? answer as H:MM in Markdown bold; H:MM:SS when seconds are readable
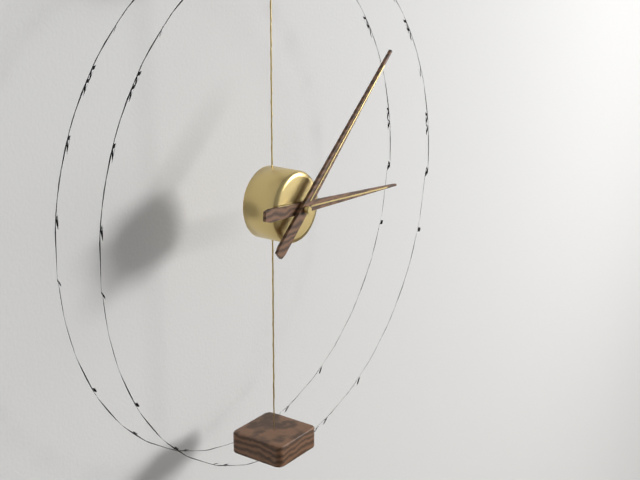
**3:08**
